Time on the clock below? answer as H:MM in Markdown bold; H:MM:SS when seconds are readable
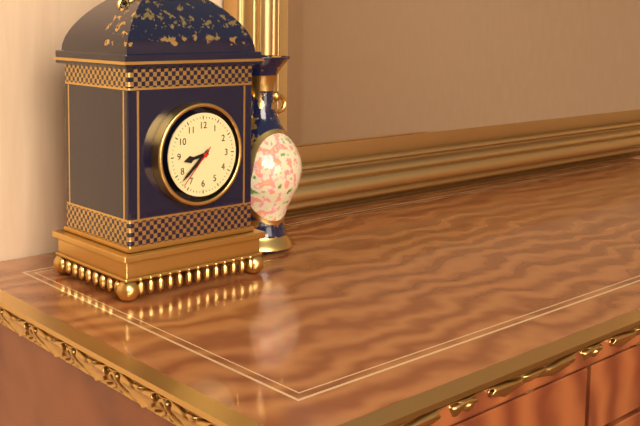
**8:38**
